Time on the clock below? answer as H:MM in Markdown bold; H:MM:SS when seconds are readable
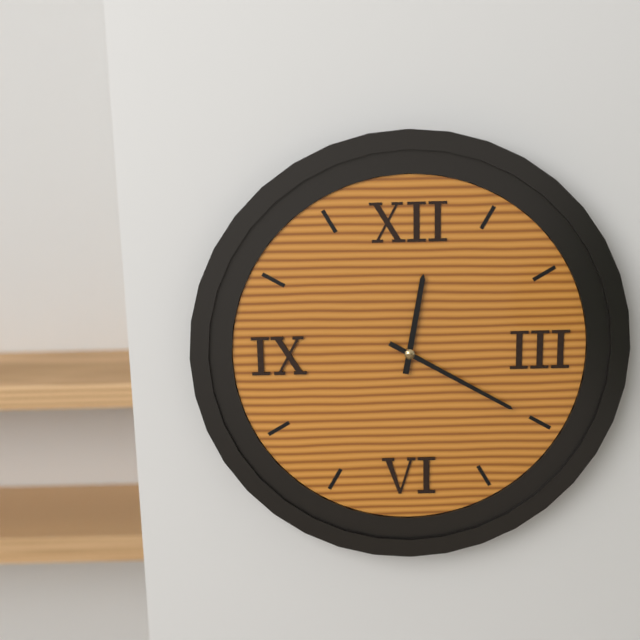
**12:20**
